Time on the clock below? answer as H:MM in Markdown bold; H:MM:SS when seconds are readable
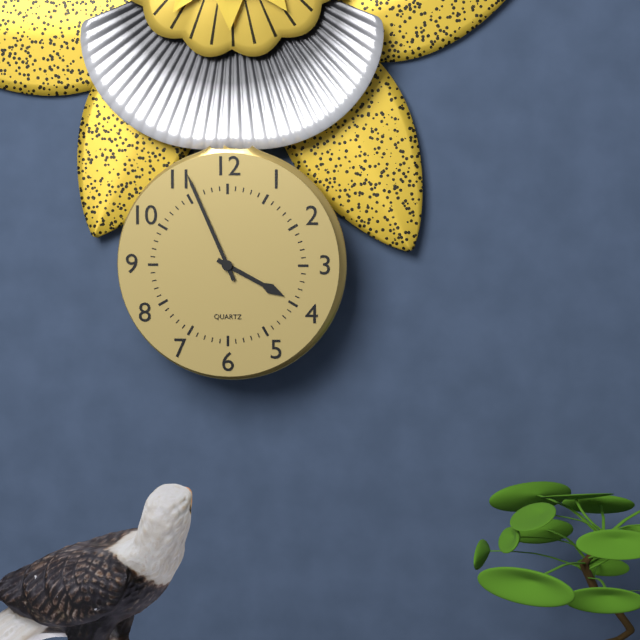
**3:56**
